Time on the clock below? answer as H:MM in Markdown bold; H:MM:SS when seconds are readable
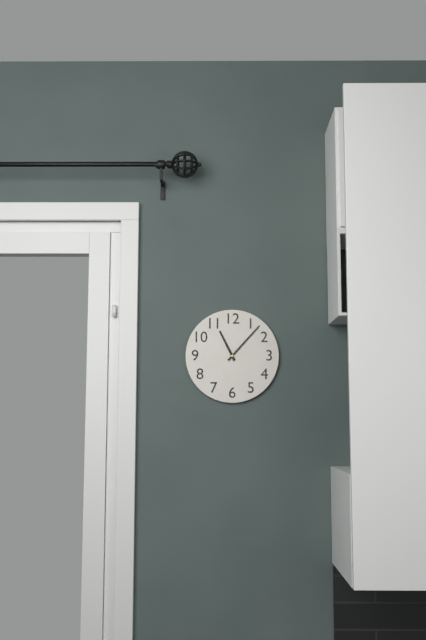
**11:07**
